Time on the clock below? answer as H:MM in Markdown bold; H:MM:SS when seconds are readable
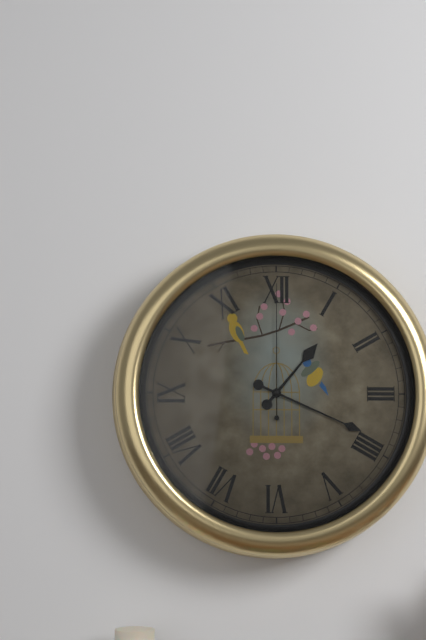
**1:19:00**
